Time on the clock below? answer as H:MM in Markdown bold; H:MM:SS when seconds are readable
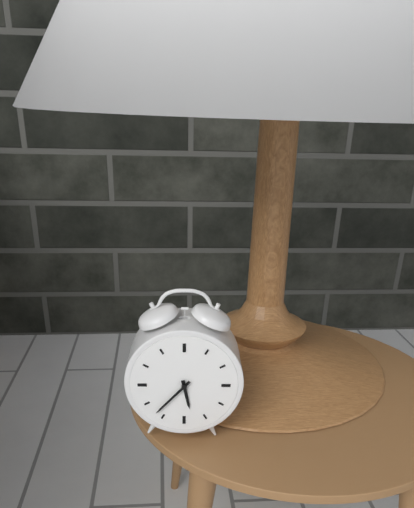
**5:37**
